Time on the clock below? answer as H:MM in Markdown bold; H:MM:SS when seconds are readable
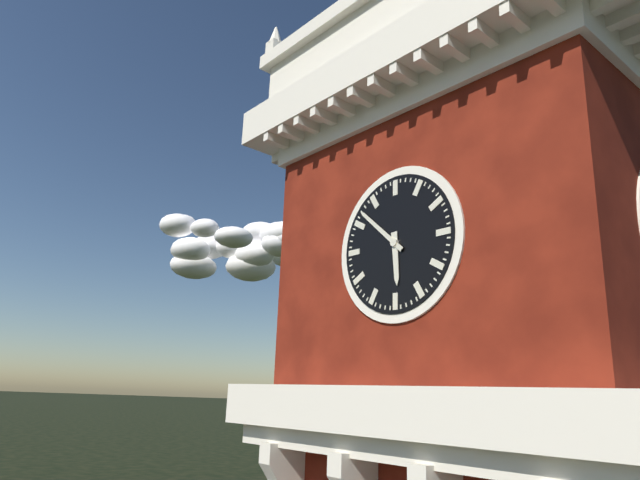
**5:52**
